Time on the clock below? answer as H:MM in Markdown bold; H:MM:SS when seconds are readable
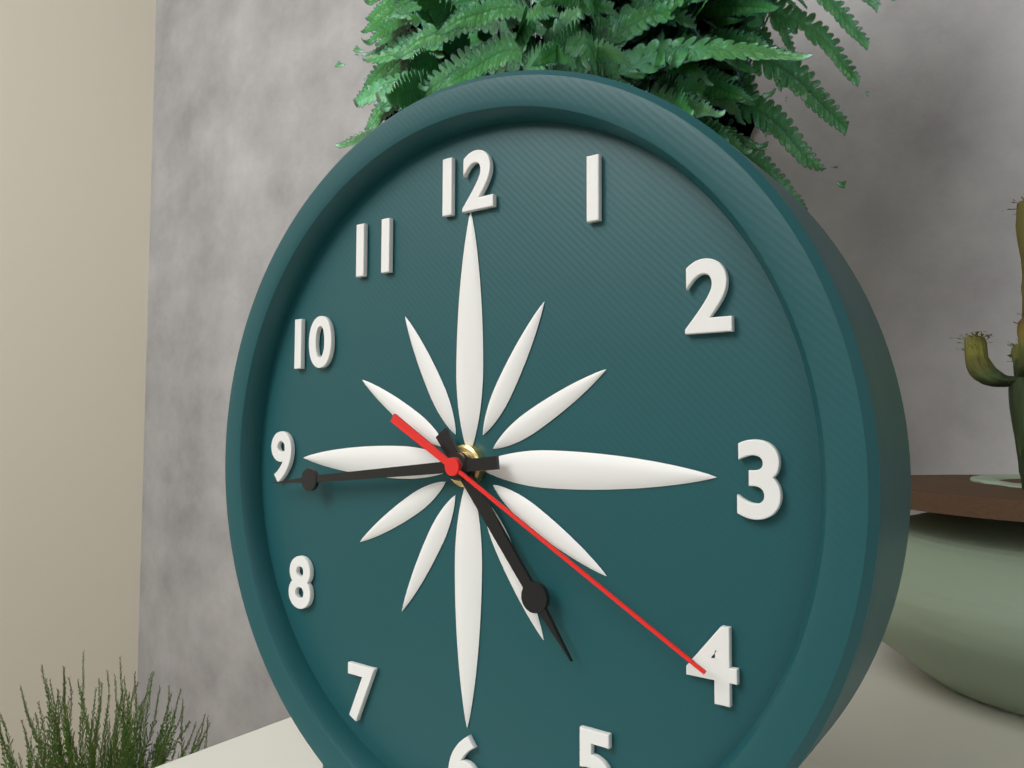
**4:44:20**
